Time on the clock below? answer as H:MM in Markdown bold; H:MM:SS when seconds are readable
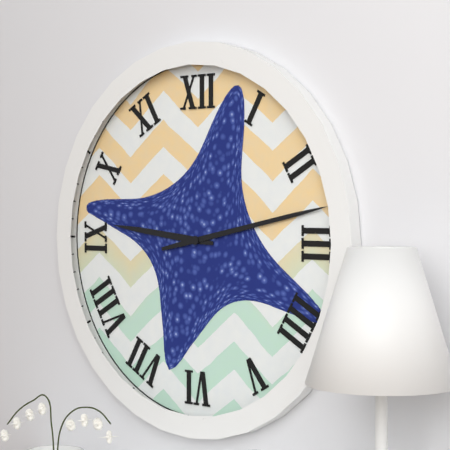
**9:13**
